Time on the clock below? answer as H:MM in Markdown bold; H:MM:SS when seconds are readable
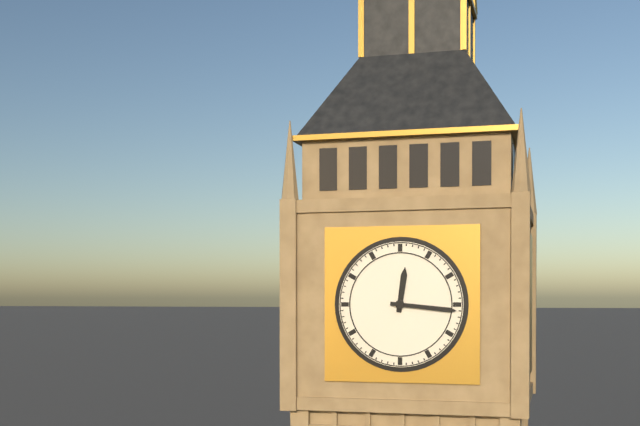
**12:16**
